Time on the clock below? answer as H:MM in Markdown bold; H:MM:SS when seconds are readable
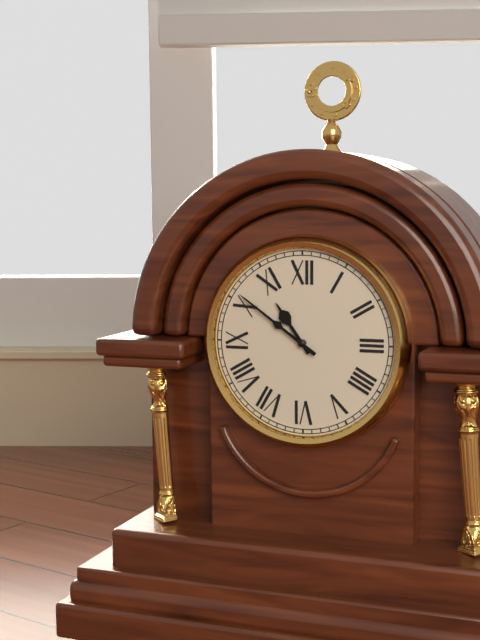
**10:51**
